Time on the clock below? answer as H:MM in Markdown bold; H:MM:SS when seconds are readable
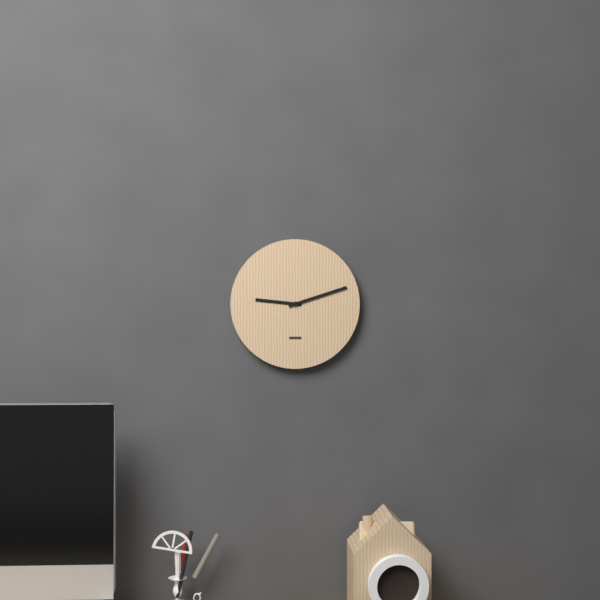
**9:12**
